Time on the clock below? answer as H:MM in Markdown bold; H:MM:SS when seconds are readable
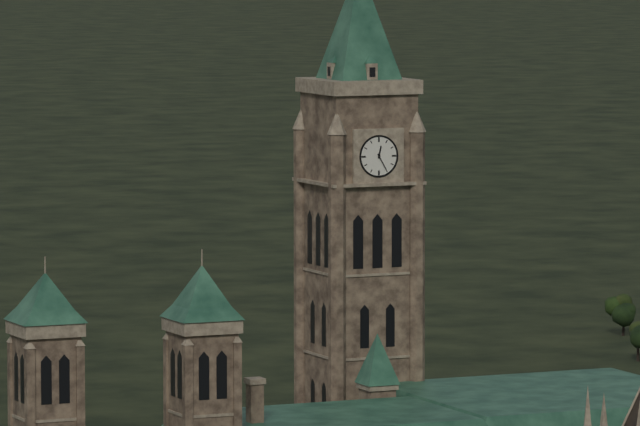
**12:25**
